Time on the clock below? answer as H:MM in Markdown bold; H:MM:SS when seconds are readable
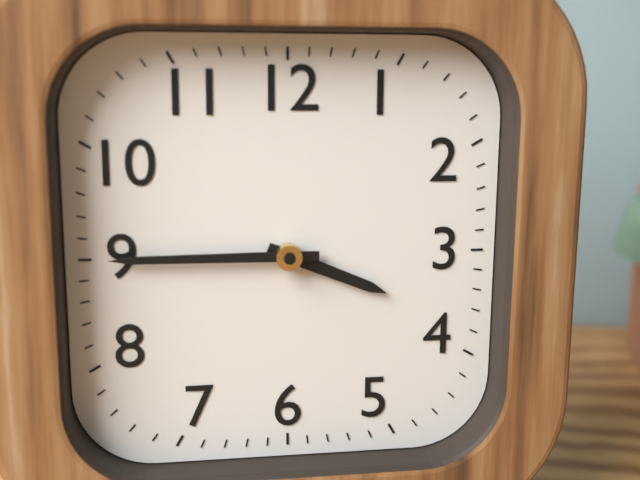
**3:45**
